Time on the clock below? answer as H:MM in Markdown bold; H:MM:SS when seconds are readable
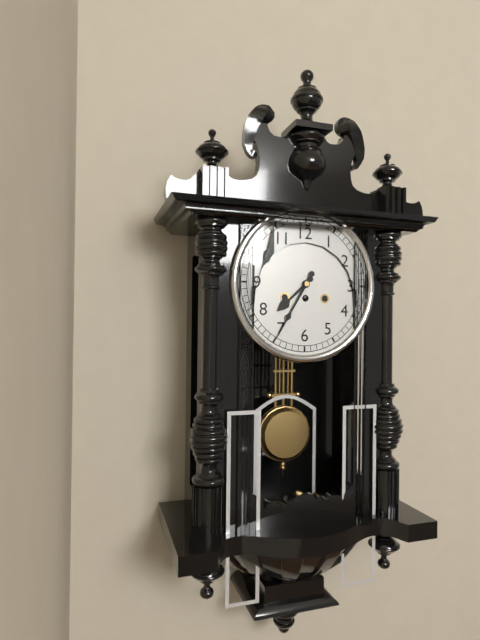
**7:35**
